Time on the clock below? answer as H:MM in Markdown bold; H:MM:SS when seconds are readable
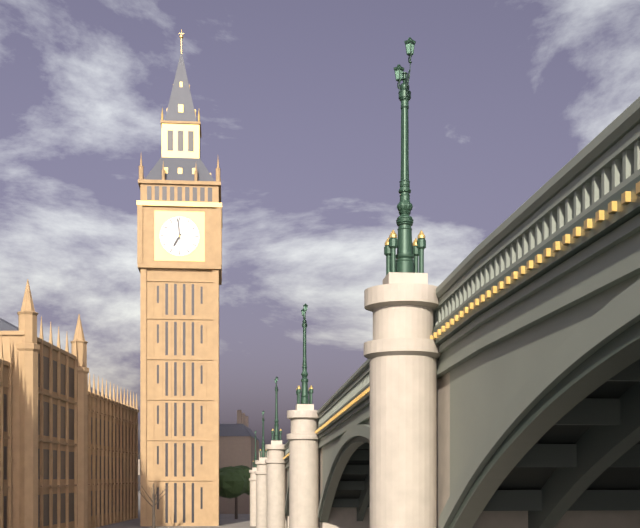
**6:59**
